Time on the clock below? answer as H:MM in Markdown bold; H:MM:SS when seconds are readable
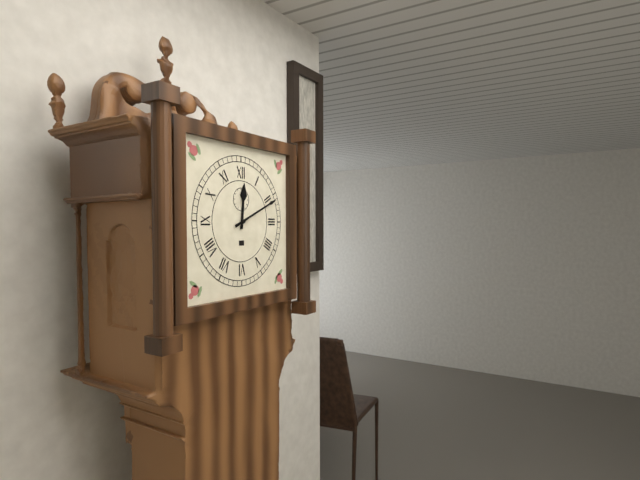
**12:11**
